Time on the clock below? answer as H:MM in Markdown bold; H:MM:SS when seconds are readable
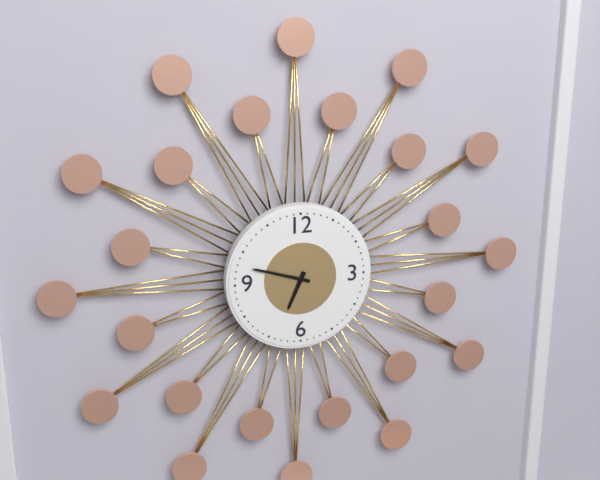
**6:48**
